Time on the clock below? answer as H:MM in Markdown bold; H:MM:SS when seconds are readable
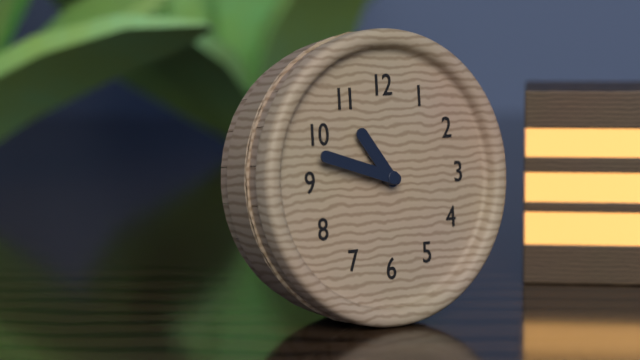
**10:48**
